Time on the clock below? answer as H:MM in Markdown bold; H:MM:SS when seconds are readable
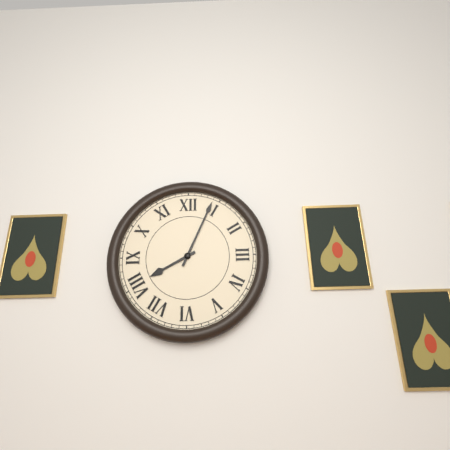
**8:04**
